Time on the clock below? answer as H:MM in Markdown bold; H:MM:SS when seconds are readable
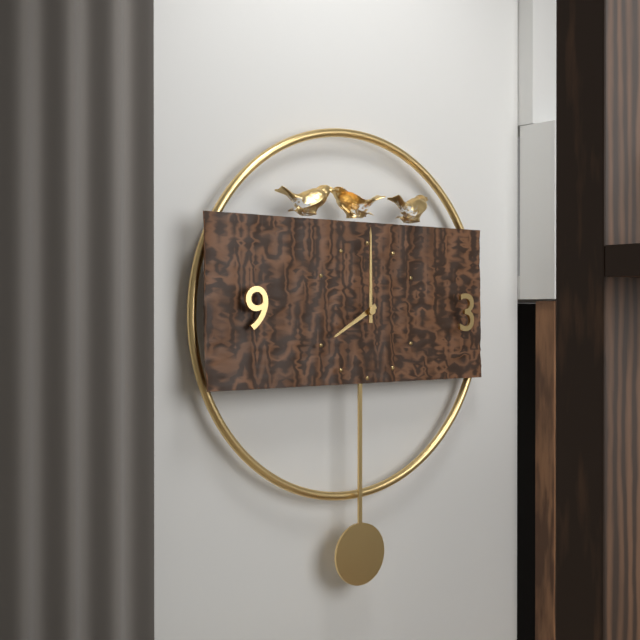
**8:00**
